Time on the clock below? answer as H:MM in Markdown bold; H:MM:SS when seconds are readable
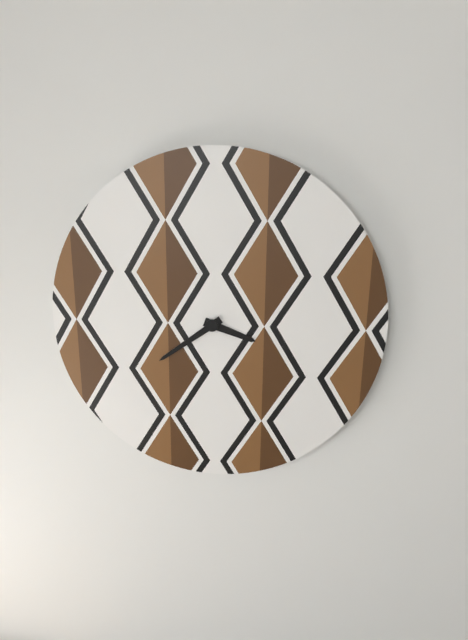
**3:39**
